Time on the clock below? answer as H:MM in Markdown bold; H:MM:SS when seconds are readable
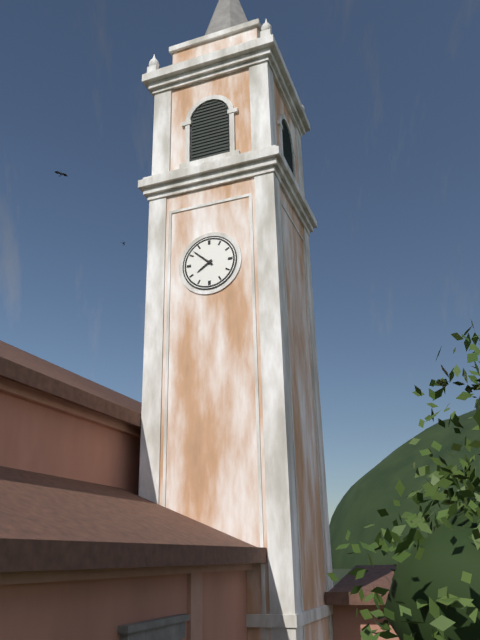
**7:52**
